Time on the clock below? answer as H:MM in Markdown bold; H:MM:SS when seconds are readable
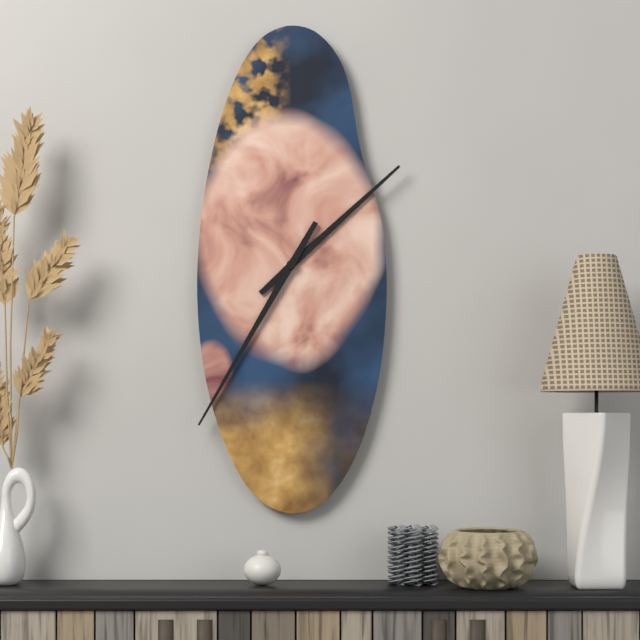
**1:35**
